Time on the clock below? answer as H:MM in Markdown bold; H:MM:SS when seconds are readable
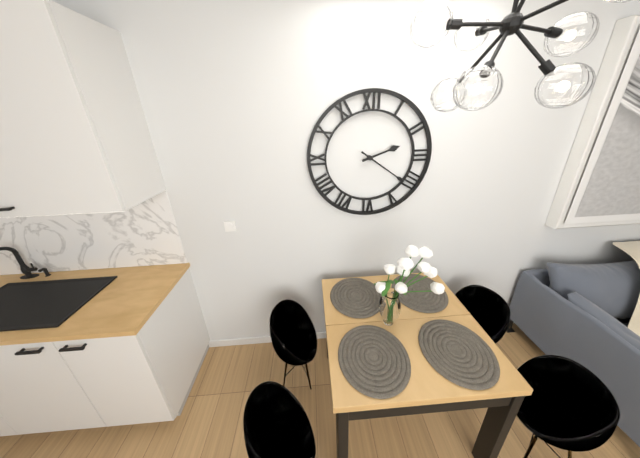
**2:21**
